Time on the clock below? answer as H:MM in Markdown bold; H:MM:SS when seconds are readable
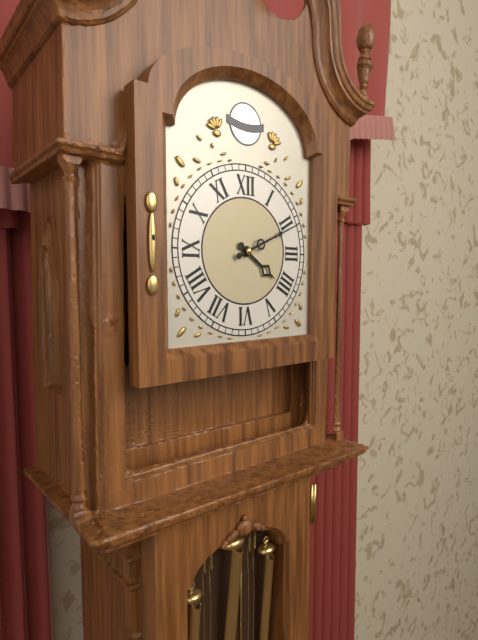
**4:11**
